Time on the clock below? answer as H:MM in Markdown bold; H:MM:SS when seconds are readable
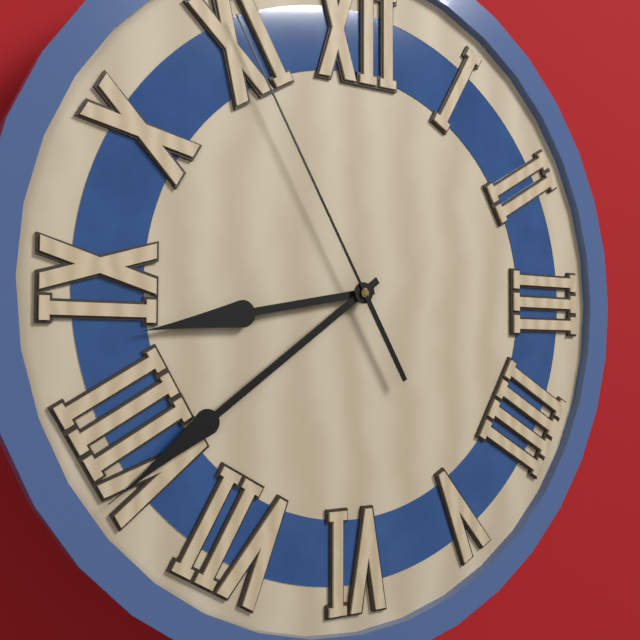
**8:39:55**
